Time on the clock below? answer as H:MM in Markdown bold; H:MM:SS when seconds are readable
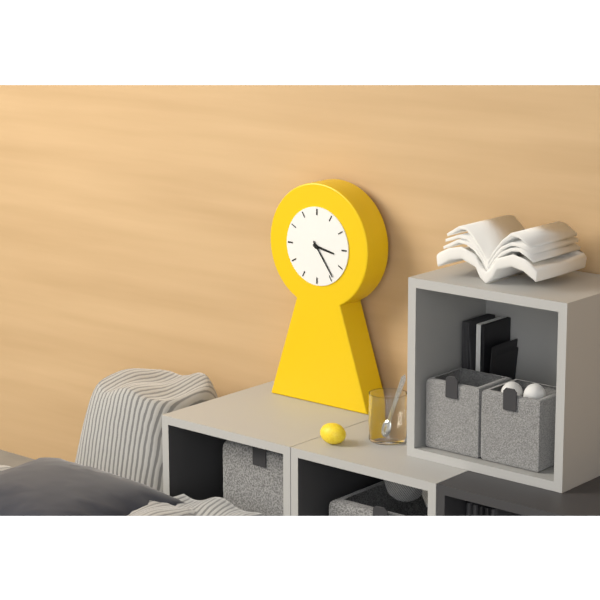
**3:24**
